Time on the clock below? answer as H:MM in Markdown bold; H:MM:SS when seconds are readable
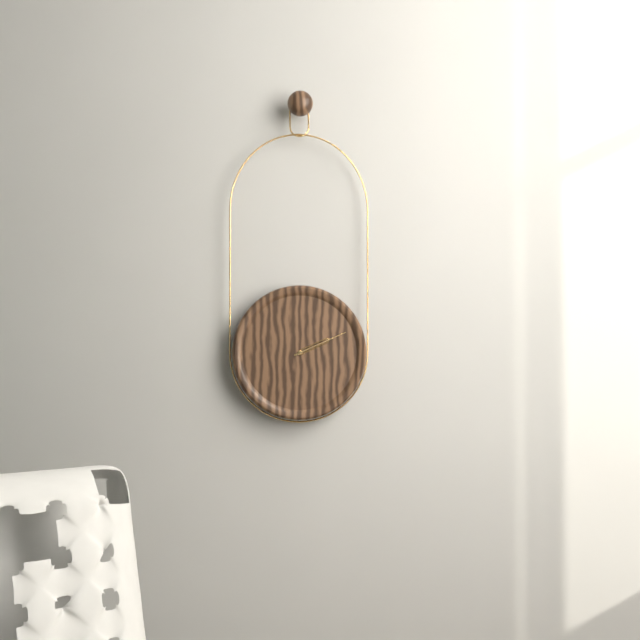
**2:11**
